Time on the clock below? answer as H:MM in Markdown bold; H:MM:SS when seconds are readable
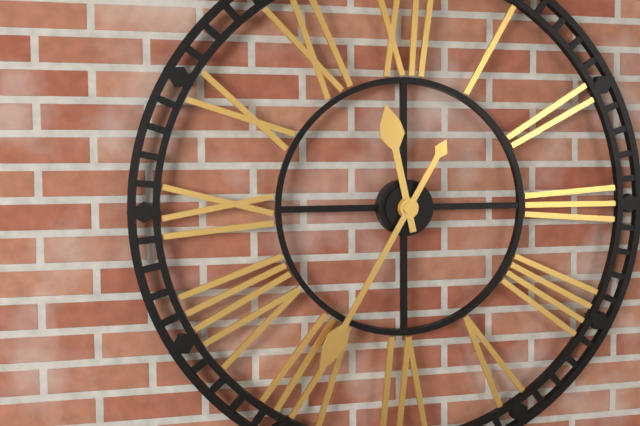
**11:35**
